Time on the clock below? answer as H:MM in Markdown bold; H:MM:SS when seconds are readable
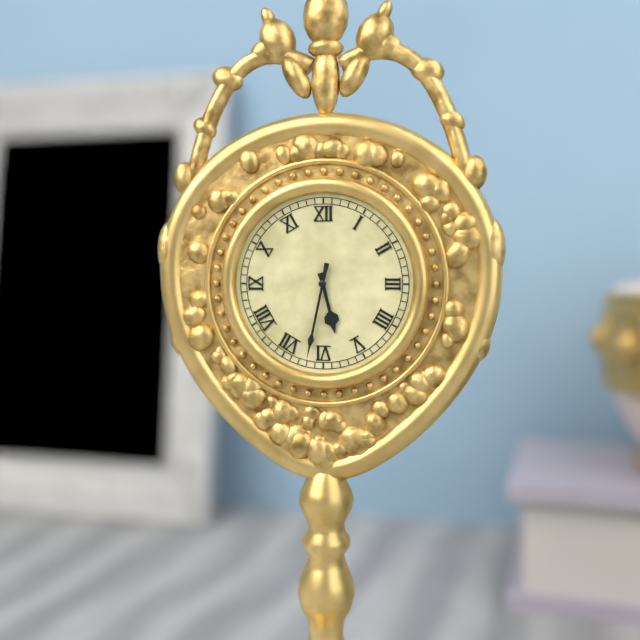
**5:32**
